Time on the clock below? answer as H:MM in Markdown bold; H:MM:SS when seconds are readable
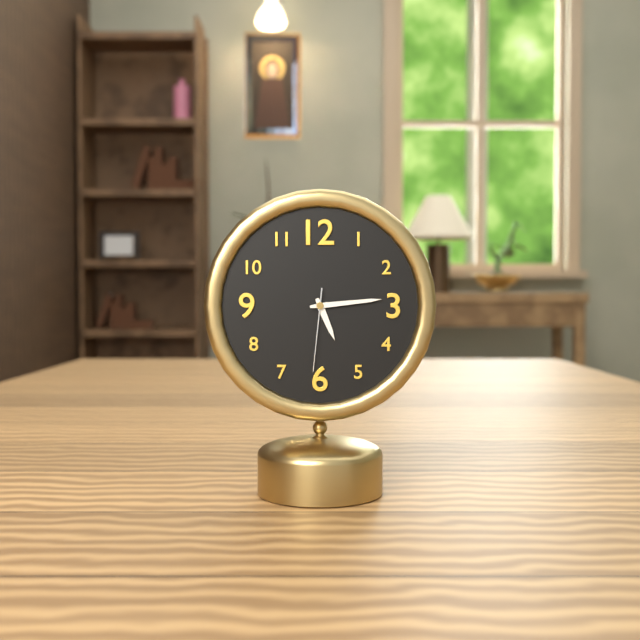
**5:14:31**
